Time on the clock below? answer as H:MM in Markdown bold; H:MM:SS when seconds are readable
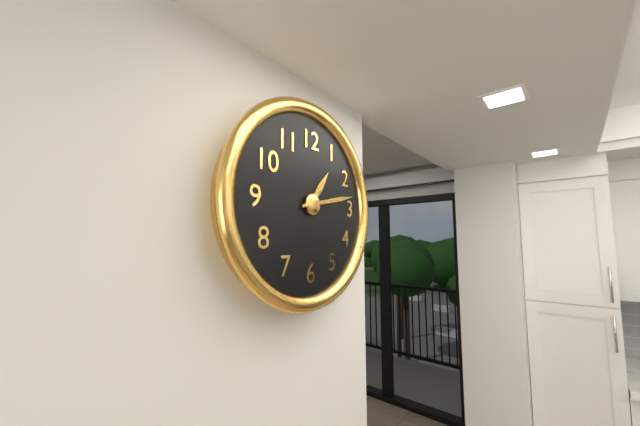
**1:13**
